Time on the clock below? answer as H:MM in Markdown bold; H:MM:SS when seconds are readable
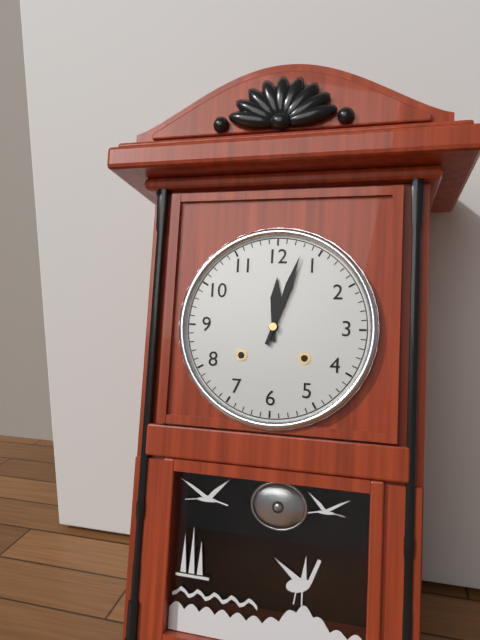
**12:03**
